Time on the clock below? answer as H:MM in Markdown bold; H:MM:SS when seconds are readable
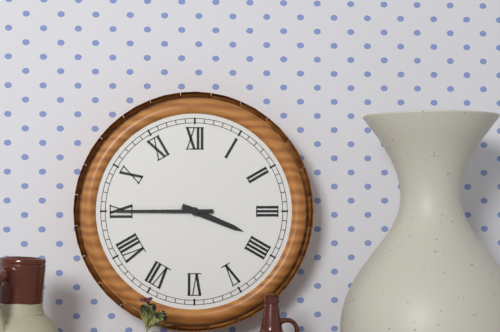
**3:45**
